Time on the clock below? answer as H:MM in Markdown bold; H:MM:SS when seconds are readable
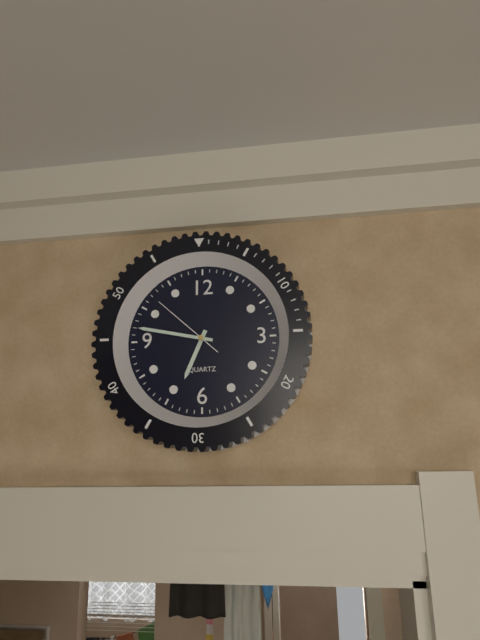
**6:47:52**
